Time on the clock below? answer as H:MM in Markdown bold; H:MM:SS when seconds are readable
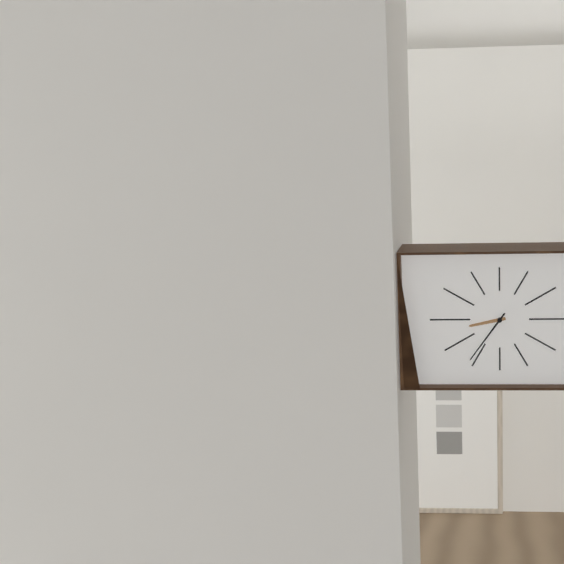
**8:36**
